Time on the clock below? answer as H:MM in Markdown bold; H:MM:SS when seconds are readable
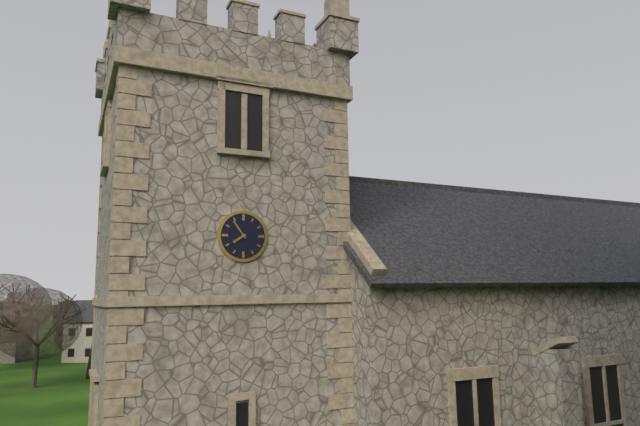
**7:54**
